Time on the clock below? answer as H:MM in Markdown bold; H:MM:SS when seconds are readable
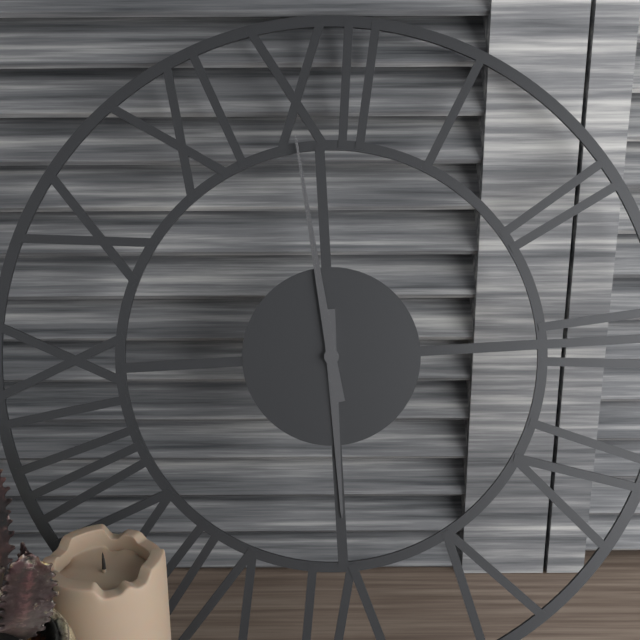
**5:59**
